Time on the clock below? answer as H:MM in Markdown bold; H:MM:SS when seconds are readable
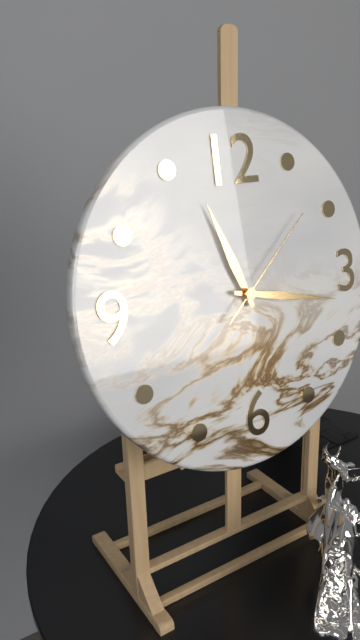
**11:17:08**
